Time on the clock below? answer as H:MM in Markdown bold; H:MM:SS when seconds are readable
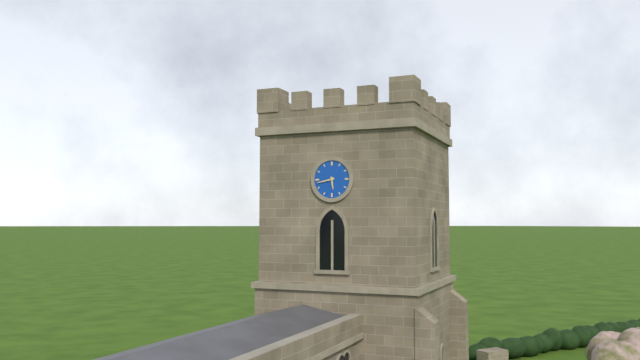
**5:43**
